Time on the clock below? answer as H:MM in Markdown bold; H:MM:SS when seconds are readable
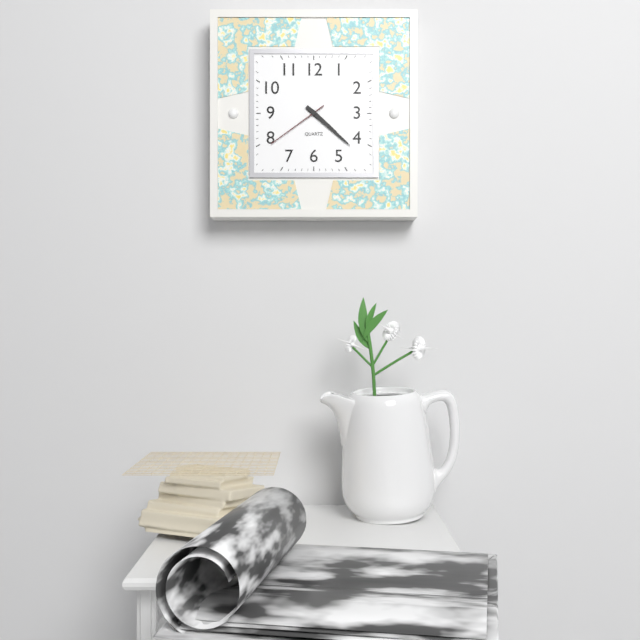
**4:22:39**
